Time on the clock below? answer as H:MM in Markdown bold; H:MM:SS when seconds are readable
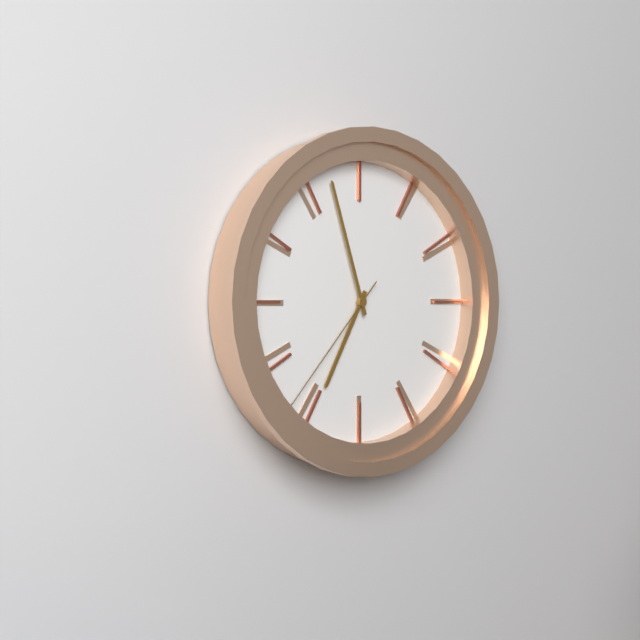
**6:57:37**
